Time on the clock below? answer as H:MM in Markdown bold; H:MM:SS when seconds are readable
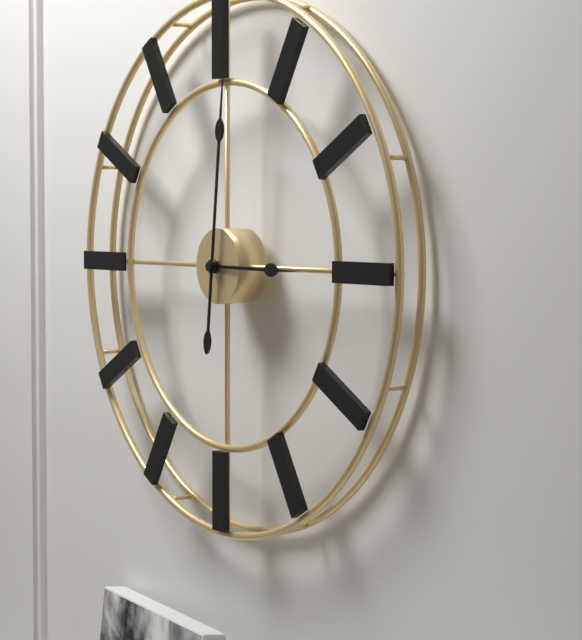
**3:01**
